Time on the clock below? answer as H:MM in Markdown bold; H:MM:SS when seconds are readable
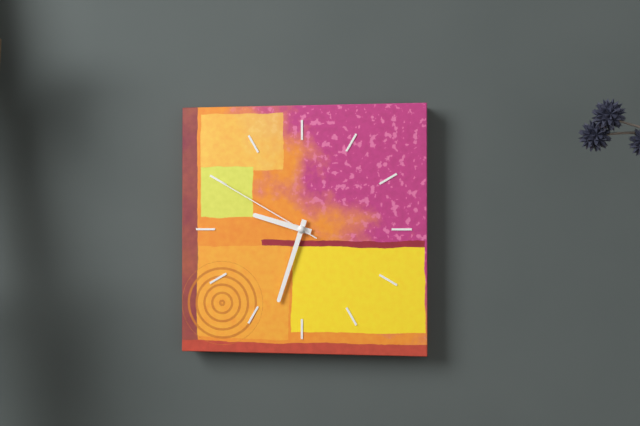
**9:33:50**
